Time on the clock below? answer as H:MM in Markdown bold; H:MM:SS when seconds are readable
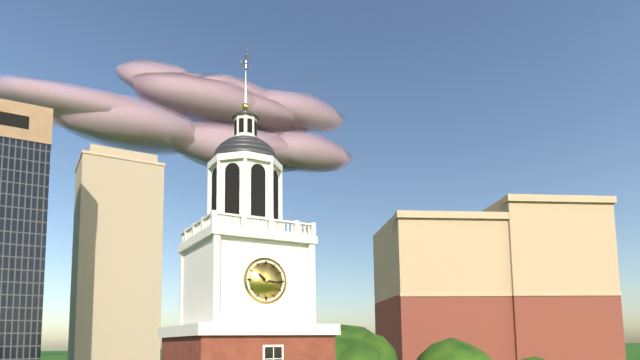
**10:16**
